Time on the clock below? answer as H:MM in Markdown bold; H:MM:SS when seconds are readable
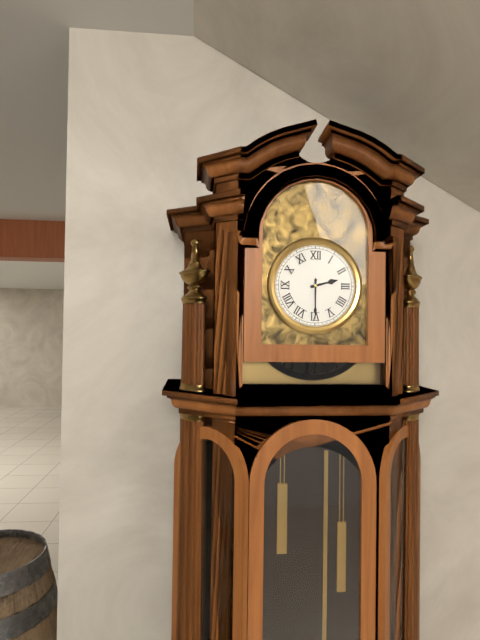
**2:30**
